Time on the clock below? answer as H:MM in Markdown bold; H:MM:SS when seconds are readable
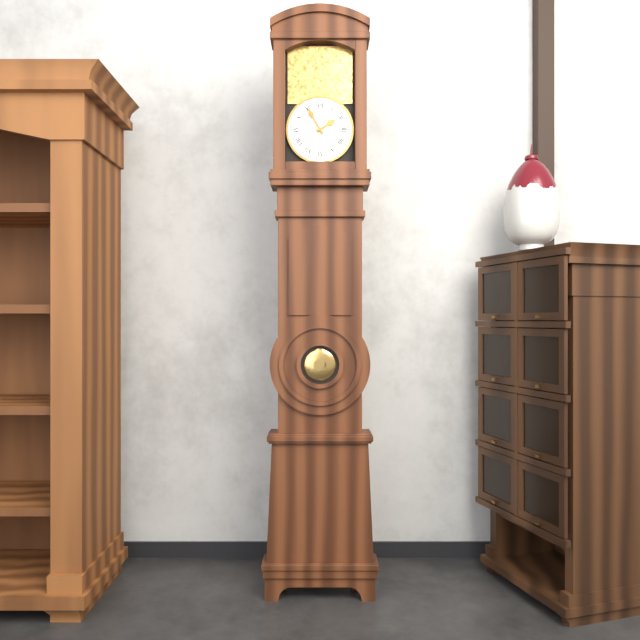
**1:55**
